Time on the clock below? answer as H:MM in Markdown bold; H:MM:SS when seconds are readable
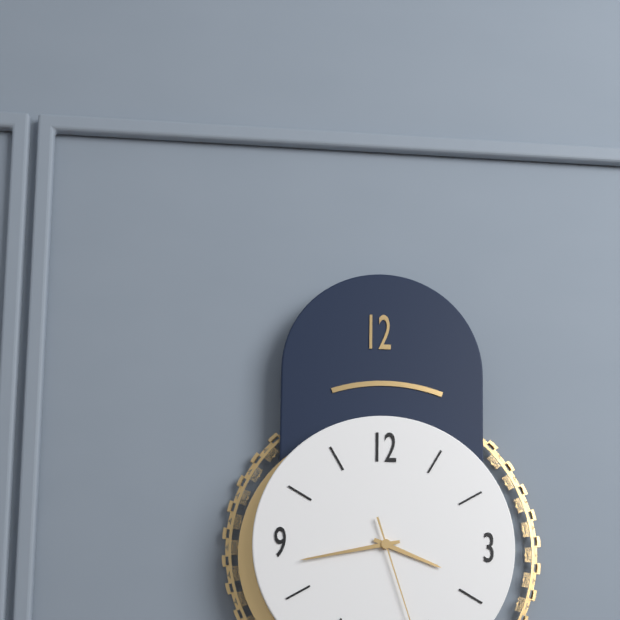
**3:43**
